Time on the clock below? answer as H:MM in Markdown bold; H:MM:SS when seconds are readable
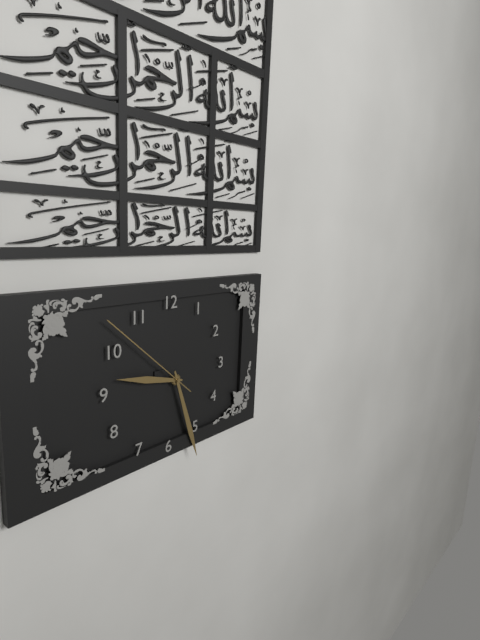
**9:27:52**
